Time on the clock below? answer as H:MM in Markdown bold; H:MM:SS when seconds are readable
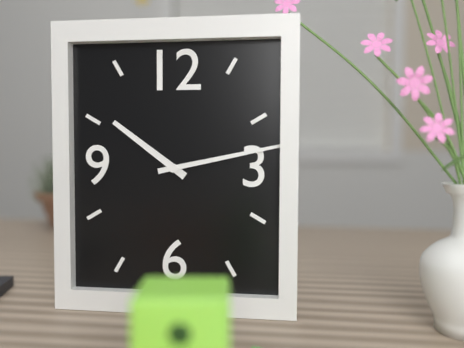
**10:13**
